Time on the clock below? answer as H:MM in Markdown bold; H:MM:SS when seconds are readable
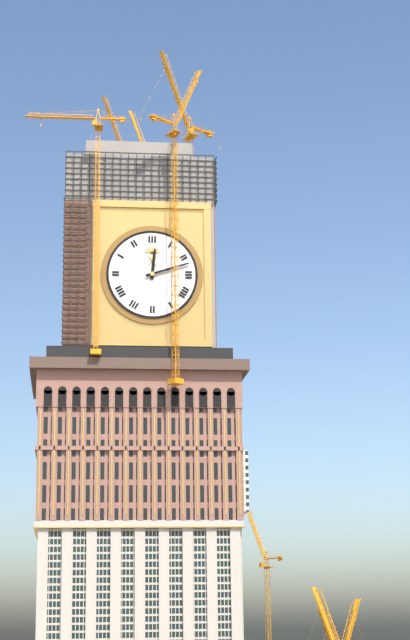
**12:12**
